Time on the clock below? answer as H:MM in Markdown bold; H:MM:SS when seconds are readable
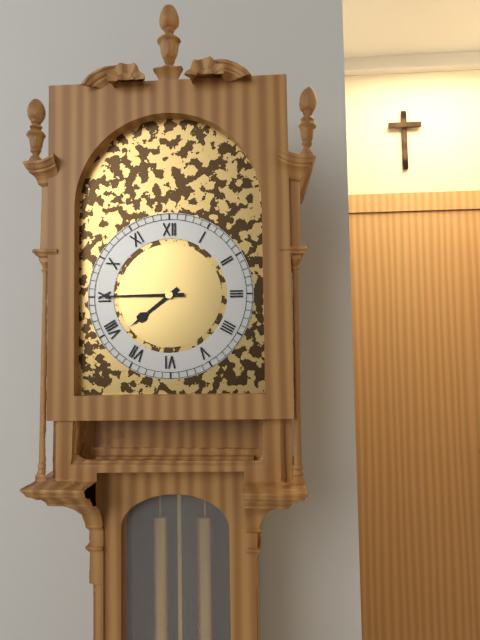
**7:45**
